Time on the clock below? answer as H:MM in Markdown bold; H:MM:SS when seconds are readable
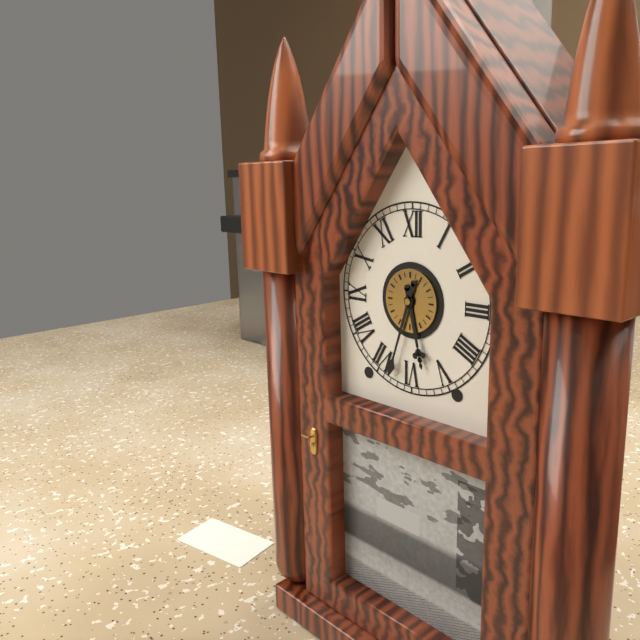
**5:33**
